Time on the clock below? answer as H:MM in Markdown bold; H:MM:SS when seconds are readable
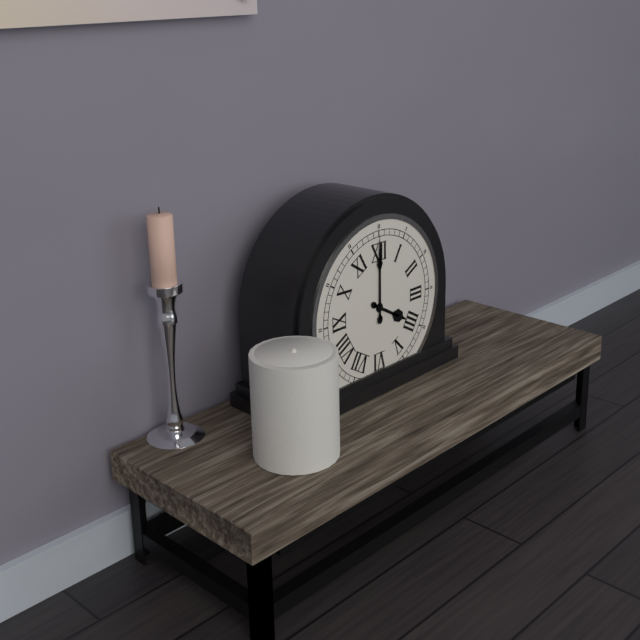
**4:00**
